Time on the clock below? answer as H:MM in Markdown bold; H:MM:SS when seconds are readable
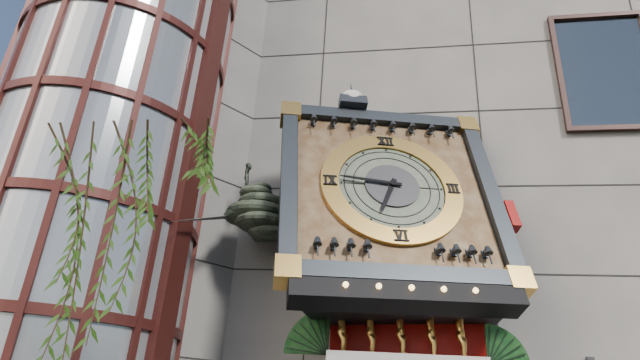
**6:46**
